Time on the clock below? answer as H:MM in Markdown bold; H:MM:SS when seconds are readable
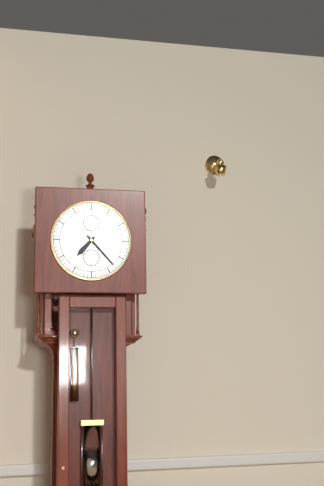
**7:23**
